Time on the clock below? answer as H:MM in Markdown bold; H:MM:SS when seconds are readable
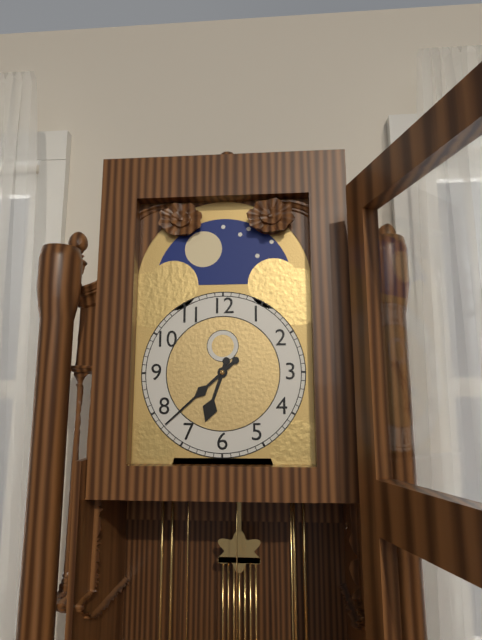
**6:38**
